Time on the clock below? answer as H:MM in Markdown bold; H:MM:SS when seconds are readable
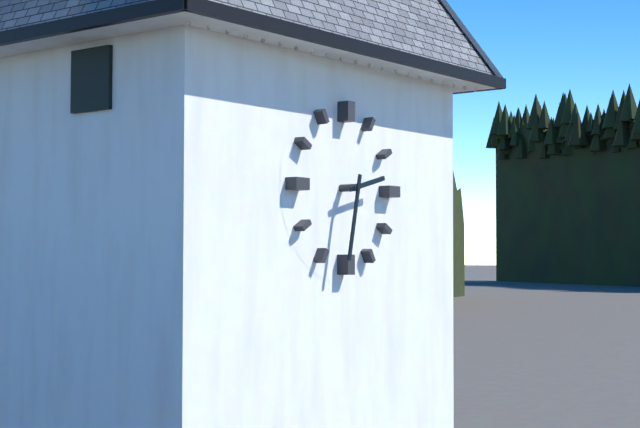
**2:32**
